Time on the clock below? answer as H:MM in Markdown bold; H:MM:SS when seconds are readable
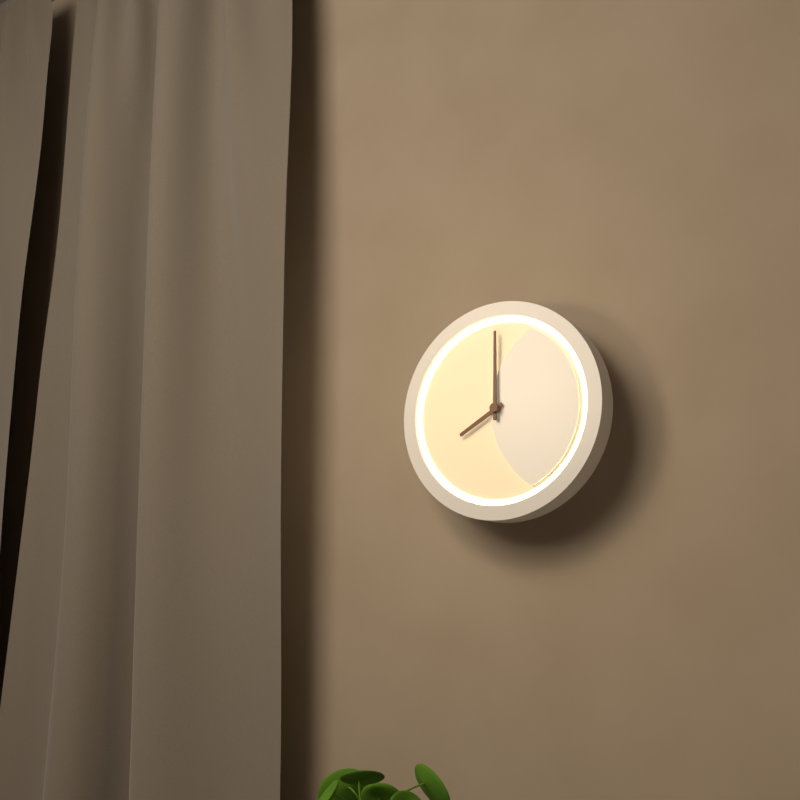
**8:00**
